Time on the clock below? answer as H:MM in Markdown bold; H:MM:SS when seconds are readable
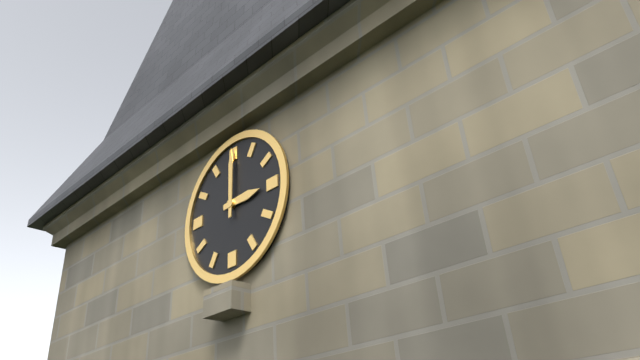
**3:00**
